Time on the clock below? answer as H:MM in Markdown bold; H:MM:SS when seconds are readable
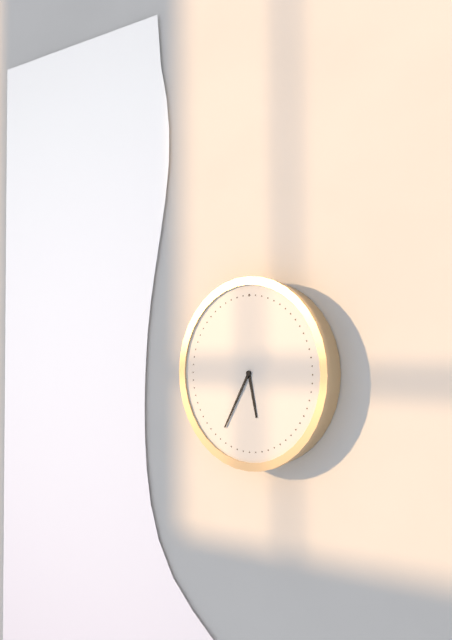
**5:35**
